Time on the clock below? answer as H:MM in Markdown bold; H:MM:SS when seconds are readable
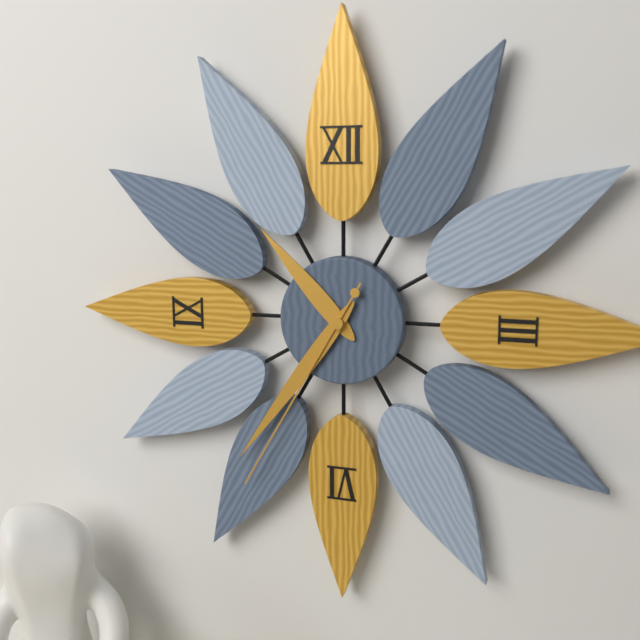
**10:36:35**
